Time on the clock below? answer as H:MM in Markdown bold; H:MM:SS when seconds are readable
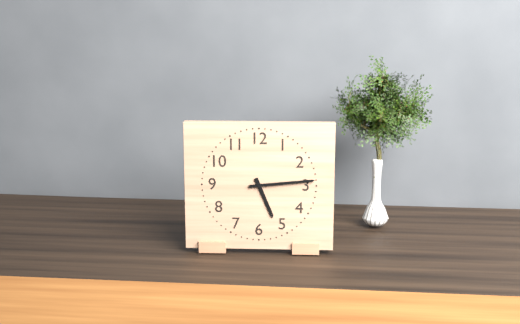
**5:14**
